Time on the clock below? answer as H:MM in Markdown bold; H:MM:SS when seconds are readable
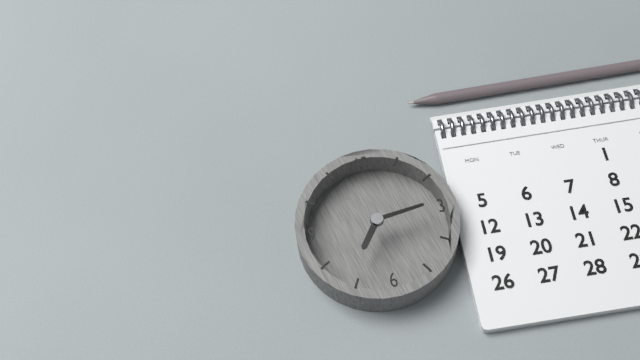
**7:14**
